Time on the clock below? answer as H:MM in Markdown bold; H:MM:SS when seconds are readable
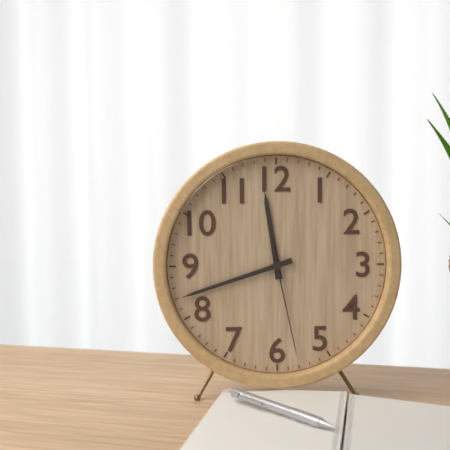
**11:42:28**
